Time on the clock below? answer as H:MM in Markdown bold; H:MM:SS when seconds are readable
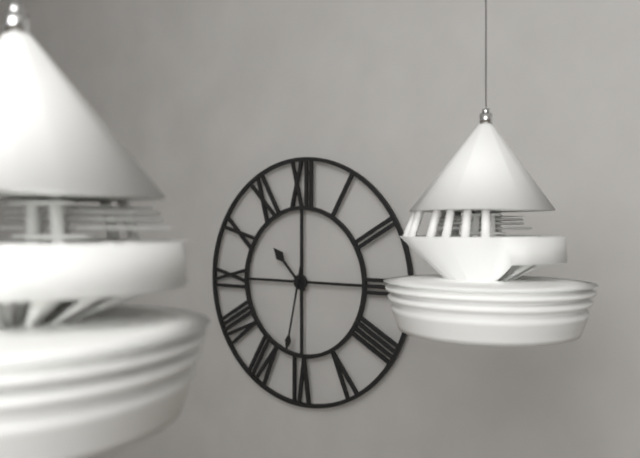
**10:32**
